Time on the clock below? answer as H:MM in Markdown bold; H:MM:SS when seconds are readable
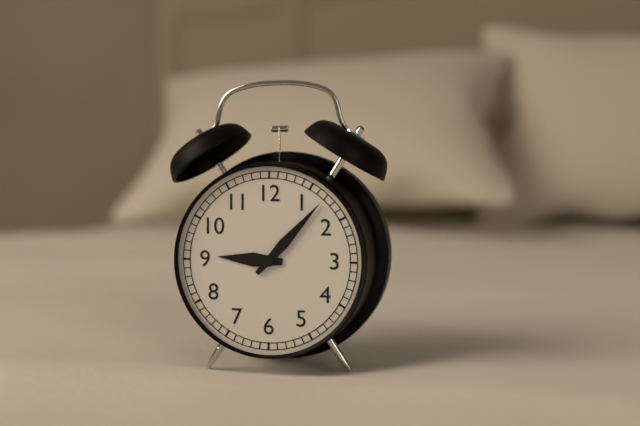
**9:07**
